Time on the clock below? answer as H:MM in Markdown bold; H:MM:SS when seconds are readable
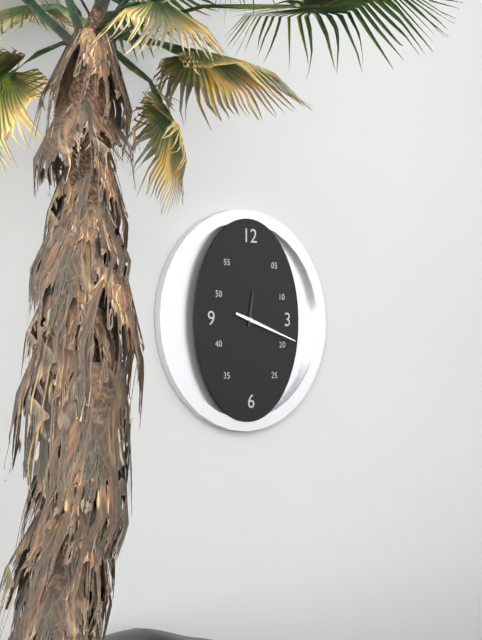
**12:18**
